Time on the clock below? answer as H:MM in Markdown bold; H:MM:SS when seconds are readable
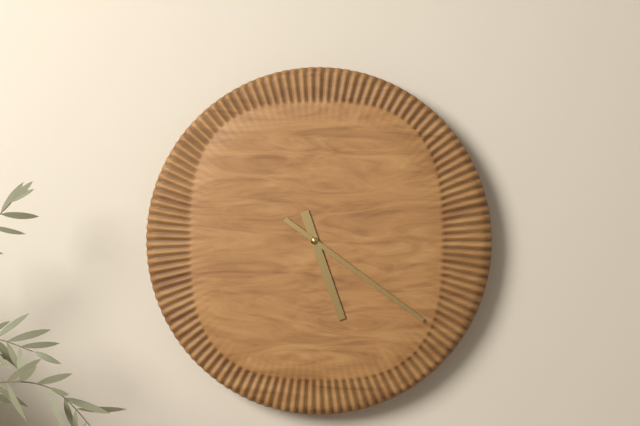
**5:21**
